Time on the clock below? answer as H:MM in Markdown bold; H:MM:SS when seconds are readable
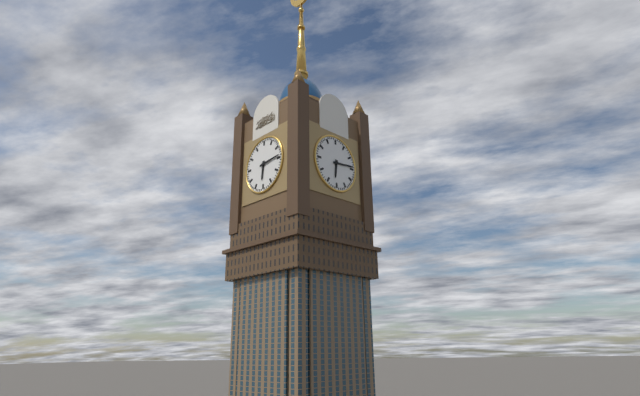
**6:14**
